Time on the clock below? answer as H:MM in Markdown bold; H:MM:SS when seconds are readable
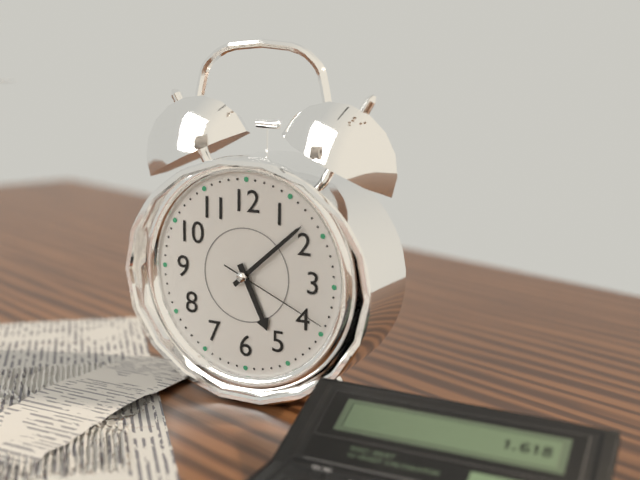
**5:08:19**
